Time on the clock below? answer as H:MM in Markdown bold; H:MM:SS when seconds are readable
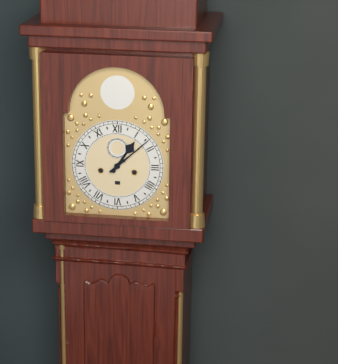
**1:08**
